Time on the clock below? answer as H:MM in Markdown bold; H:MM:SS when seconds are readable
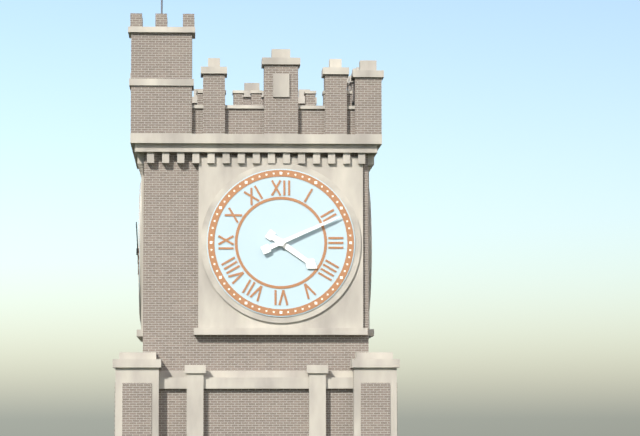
**4:11**
